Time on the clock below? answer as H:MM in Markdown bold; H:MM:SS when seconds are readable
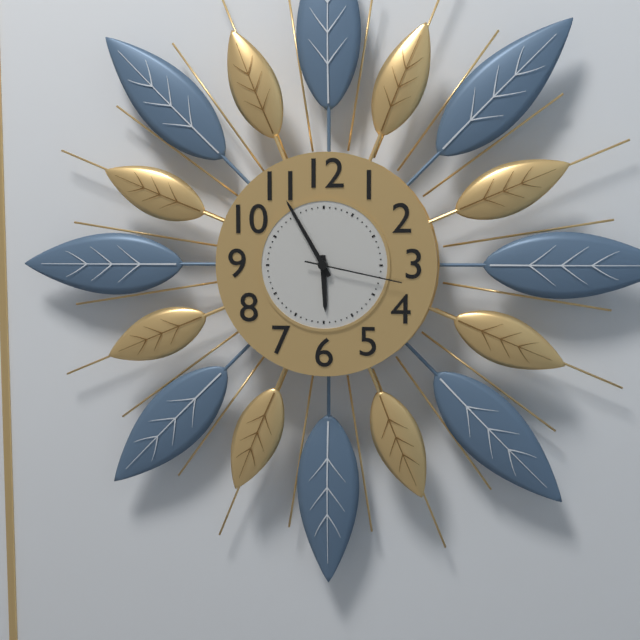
**5:55:17**
